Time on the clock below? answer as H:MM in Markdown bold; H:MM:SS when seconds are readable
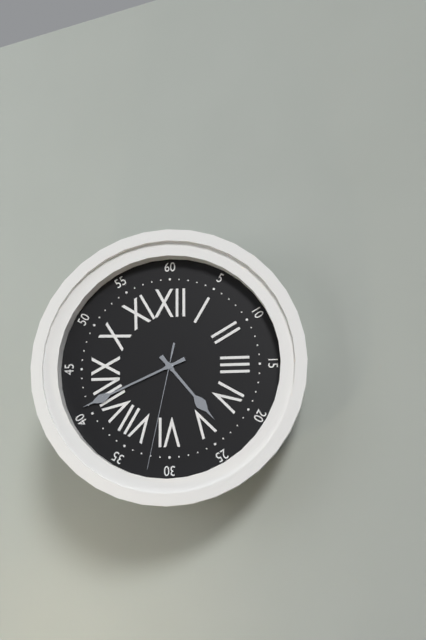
**4:41:32**
